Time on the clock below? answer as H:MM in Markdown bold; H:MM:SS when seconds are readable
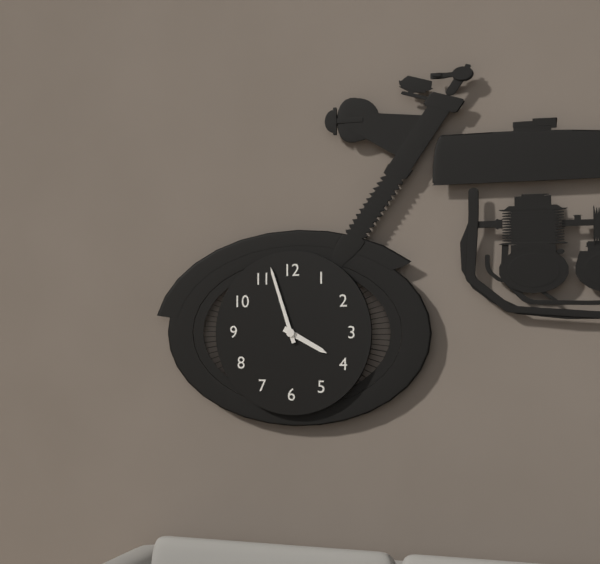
**3:57**
